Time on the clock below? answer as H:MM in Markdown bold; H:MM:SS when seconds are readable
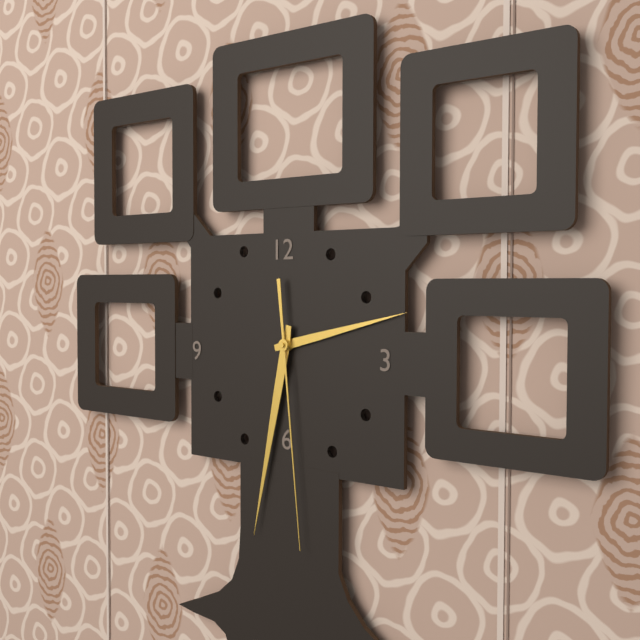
**2:32:29**
